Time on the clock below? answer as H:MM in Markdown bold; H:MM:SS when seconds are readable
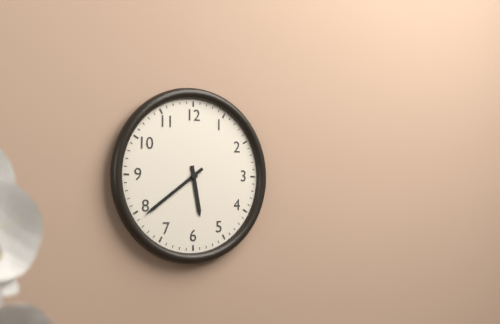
**5:39**
